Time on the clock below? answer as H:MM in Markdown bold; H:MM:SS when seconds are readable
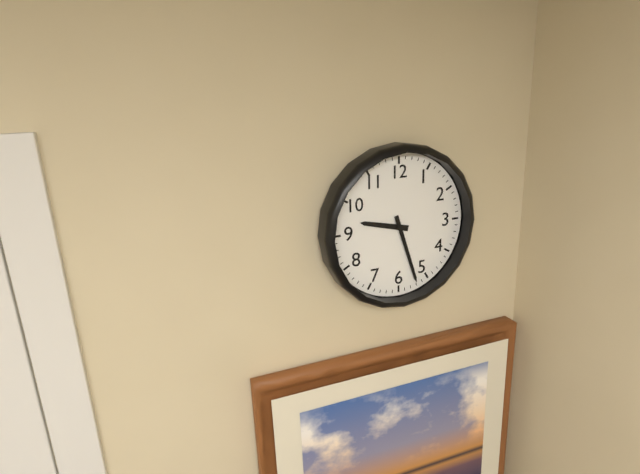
**9:27**
